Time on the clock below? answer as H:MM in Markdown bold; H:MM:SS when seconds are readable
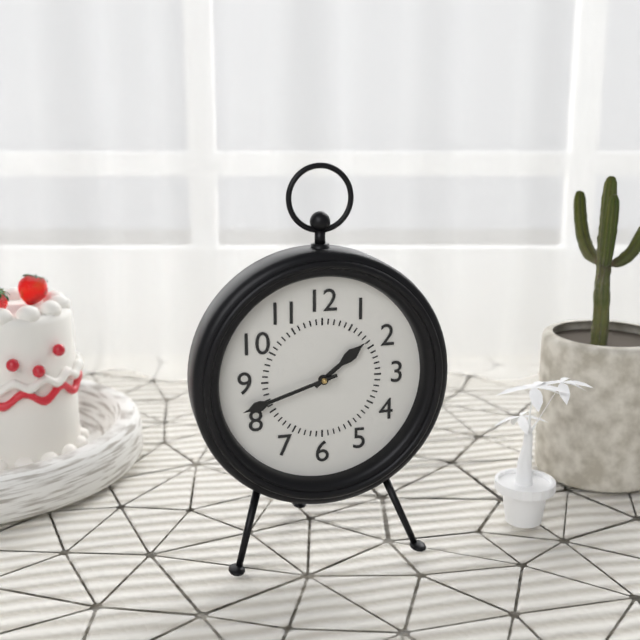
**1:42**
